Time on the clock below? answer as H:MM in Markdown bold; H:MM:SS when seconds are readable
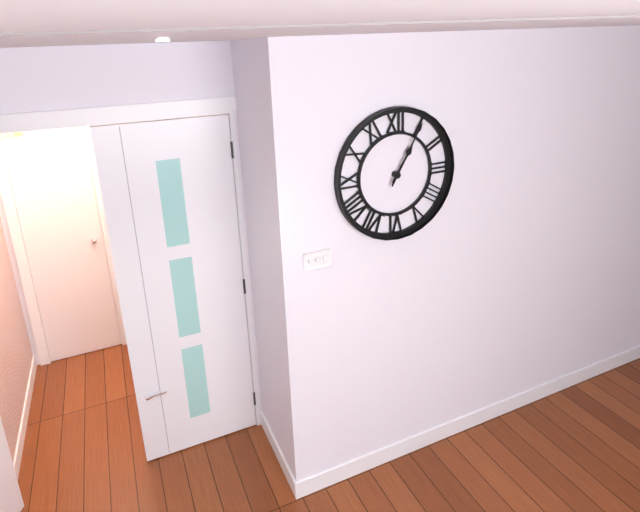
**1:05**
